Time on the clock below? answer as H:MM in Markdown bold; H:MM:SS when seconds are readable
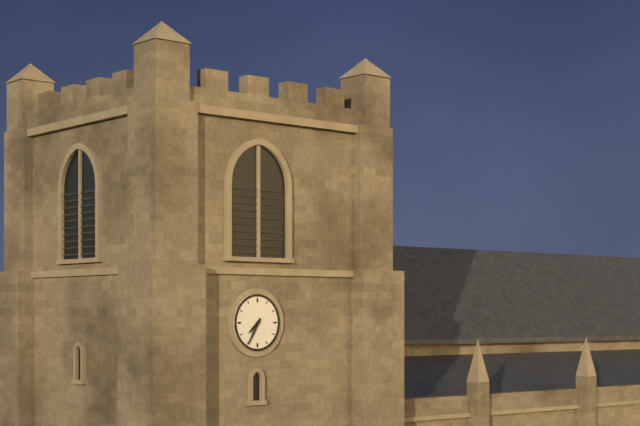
**7:35**
